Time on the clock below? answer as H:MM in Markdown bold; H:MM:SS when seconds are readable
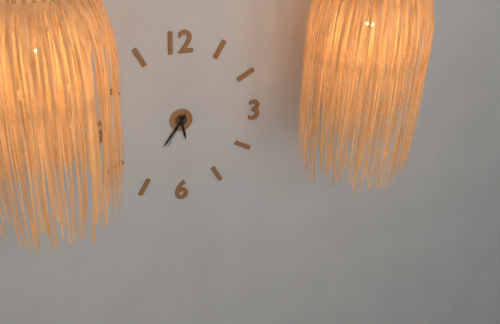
**5:36**
